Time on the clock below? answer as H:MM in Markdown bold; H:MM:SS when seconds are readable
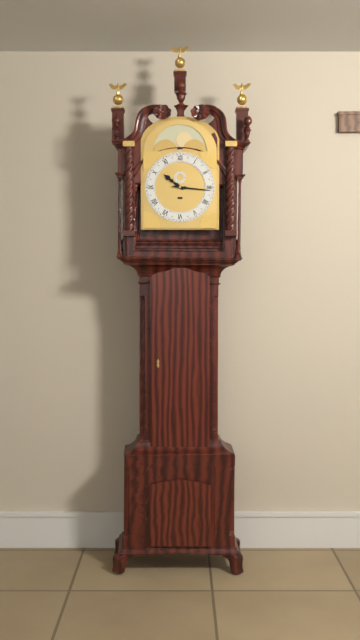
**10:16**
